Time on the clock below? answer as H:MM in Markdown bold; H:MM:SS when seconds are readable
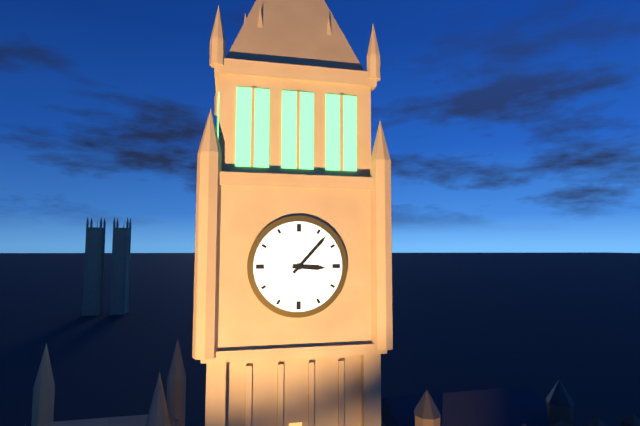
**3:07**
